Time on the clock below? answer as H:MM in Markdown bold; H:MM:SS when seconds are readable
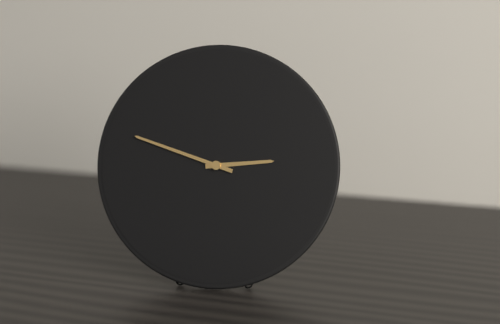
**2:48**
